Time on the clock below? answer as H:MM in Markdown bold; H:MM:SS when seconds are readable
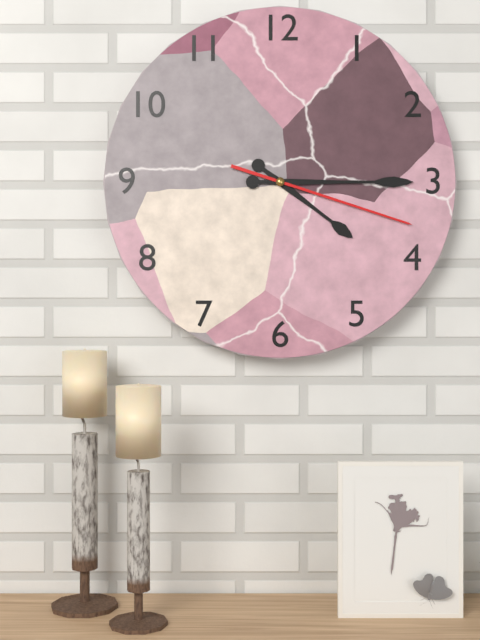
**4:15:18**
